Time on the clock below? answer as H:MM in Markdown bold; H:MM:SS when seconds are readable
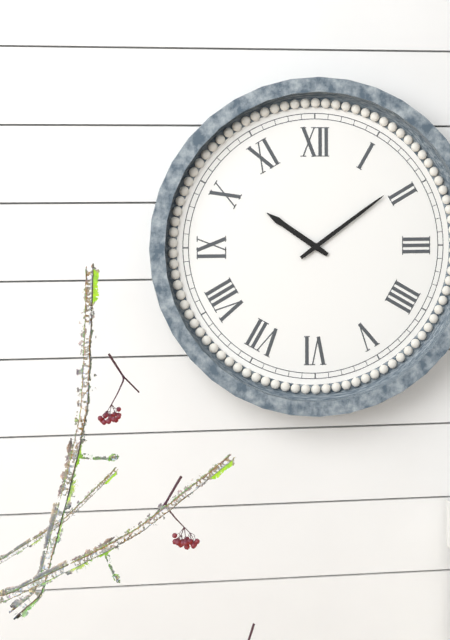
**10:09**
